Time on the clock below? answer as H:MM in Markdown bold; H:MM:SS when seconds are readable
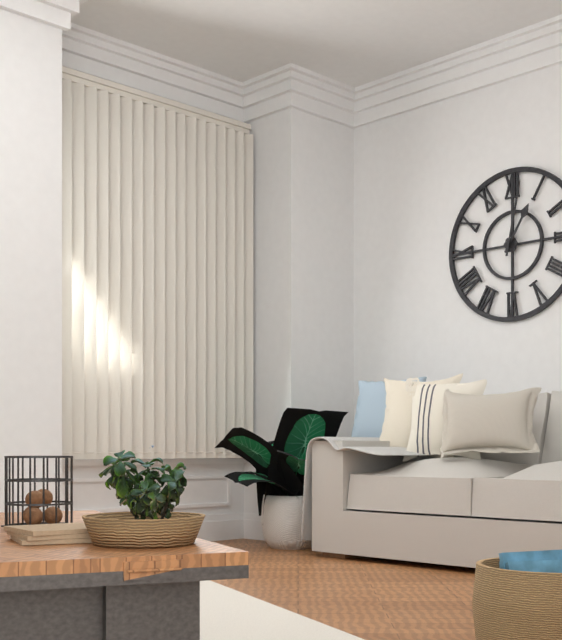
**1:02**
